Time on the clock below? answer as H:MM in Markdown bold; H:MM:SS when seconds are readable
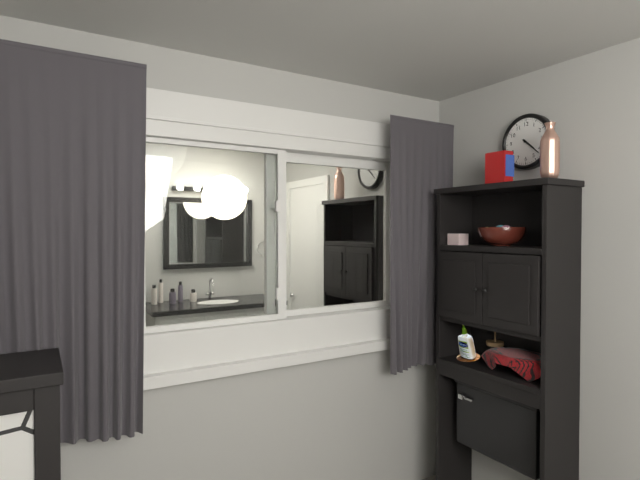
**4:22**
